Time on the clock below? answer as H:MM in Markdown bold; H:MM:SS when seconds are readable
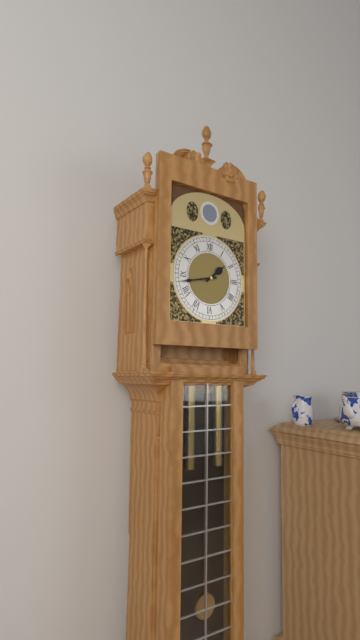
**1:43**
